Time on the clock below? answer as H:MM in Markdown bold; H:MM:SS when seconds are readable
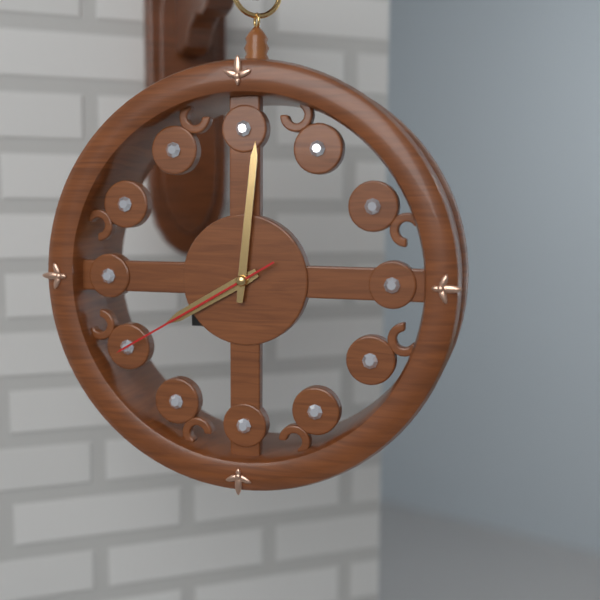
**8:01:40**
